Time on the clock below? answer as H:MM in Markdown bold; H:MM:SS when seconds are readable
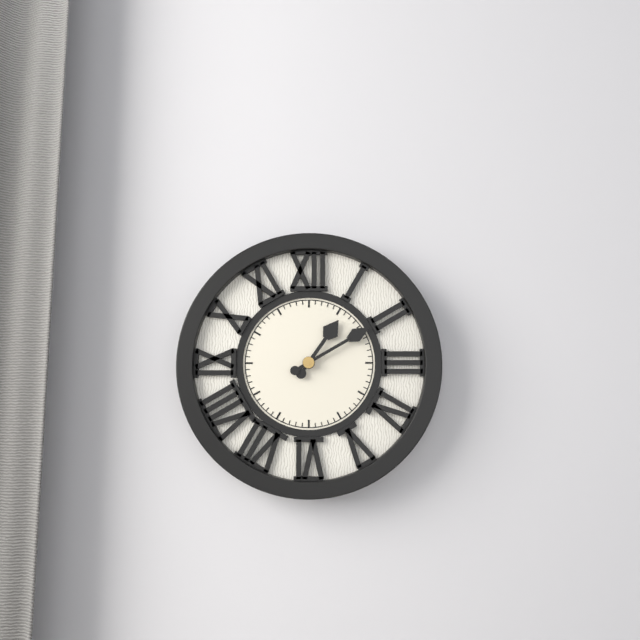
**1:10**
